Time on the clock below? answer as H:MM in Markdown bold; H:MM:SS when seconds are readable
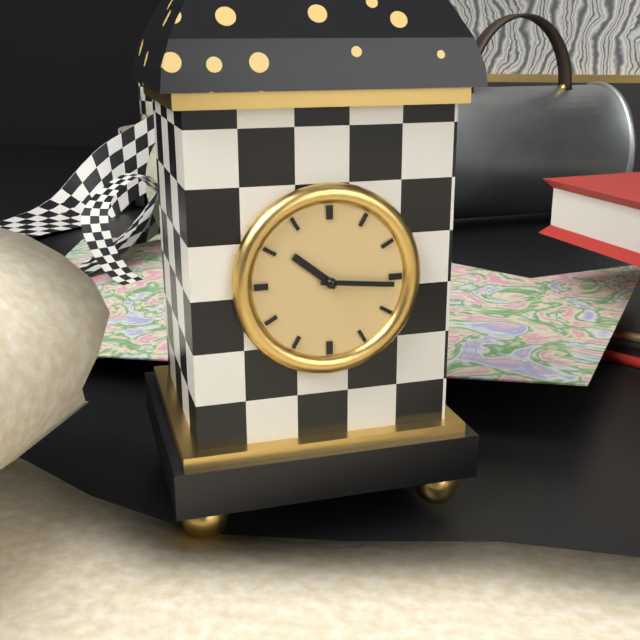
**10:16**
